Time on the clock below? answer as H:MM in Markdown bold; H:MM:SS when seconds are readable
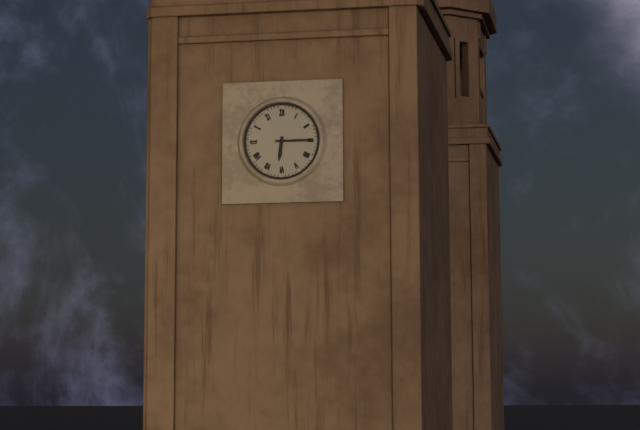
**6:15**
